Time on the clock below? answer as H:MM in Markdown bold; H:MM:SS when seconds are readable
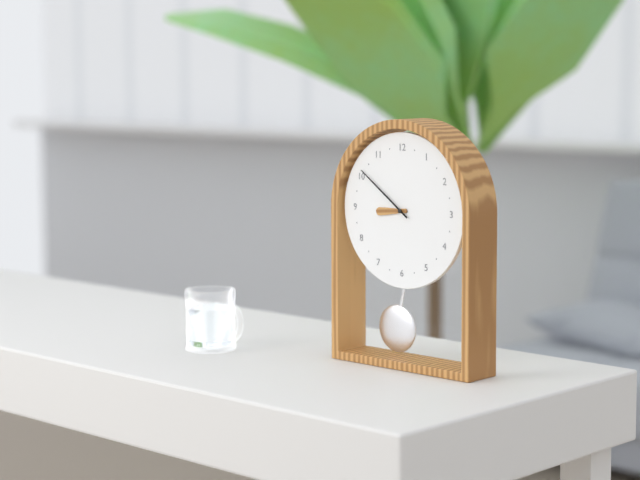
**8:51**
